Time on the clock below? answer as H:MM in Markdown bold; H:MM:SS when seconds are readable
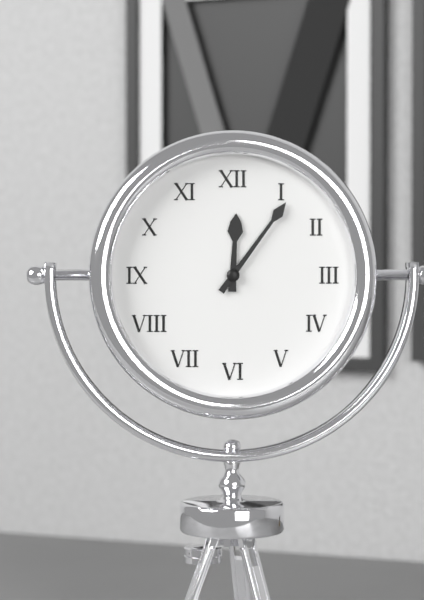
**12:06**
